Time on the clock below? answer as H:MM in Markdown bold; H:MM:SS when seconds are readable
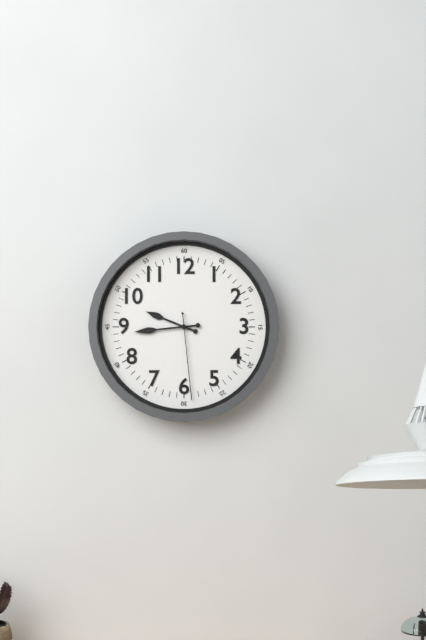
**9:44:29**
